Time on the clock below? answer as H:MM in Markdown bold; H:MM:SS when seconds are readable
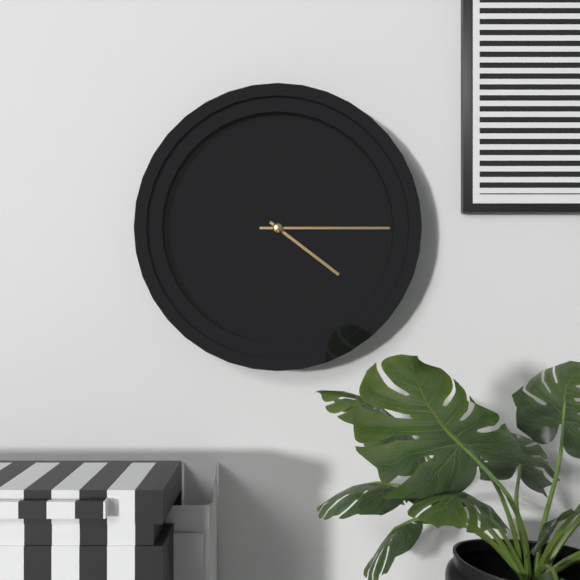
**4:15**
